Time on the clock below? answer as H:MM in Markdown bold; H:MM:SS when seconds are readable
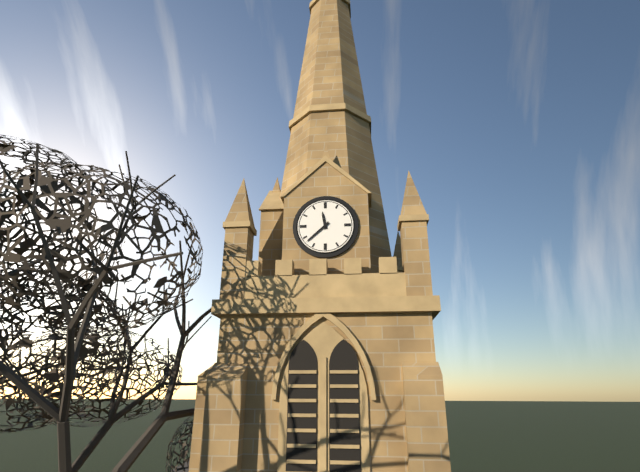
**11:38**
